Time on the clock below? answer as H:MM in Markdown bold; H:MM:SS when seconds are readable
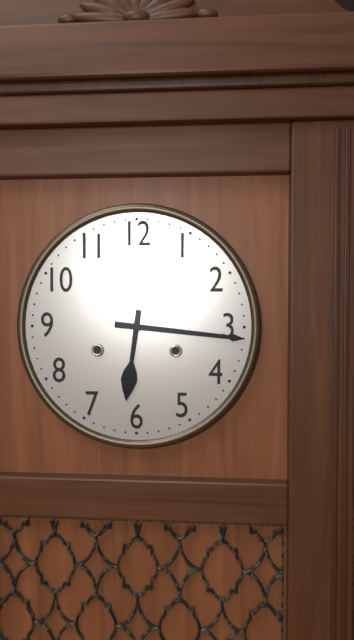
**6:16**
